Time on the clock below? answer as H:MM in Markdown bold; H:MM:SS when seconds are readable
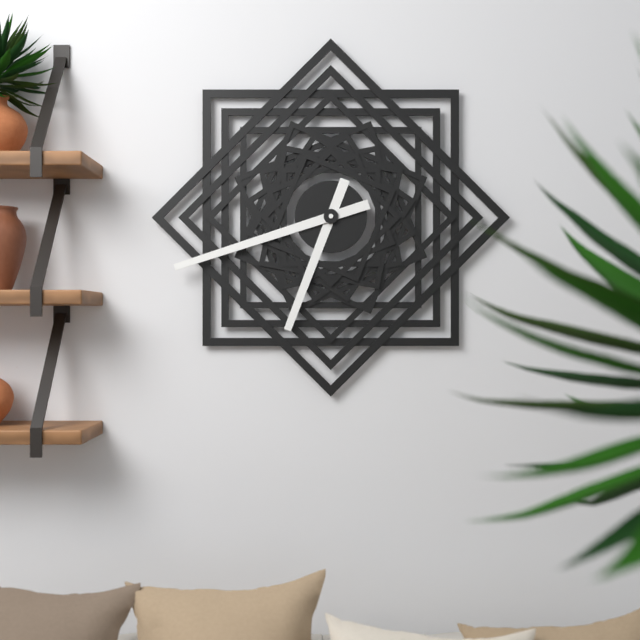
**6:42**
